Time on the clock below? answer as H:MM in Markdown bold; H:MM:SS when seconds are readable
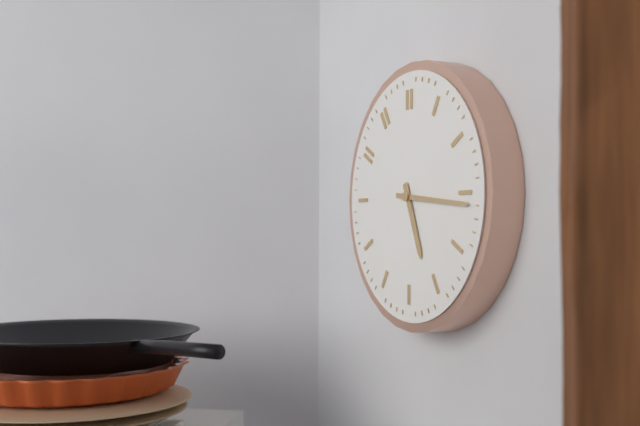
**5:16**
